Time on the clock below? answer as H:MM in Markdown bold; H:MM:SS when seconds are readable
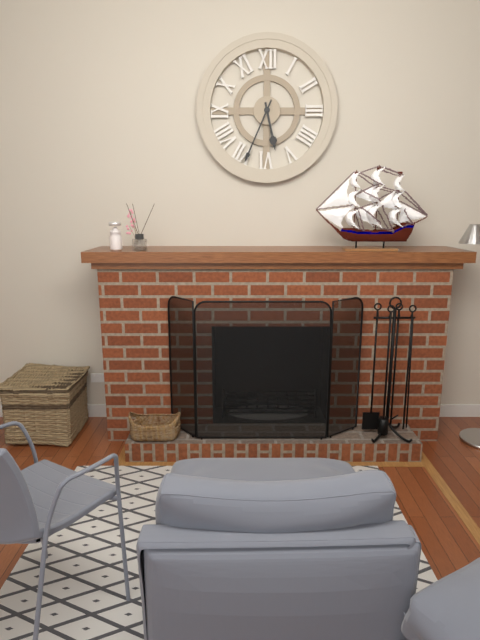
**5:34**
